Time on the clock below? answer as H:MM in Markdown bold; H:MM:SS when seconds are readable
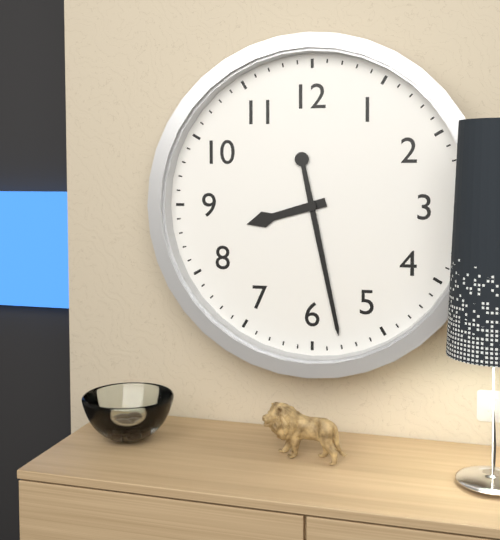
**8:28**
